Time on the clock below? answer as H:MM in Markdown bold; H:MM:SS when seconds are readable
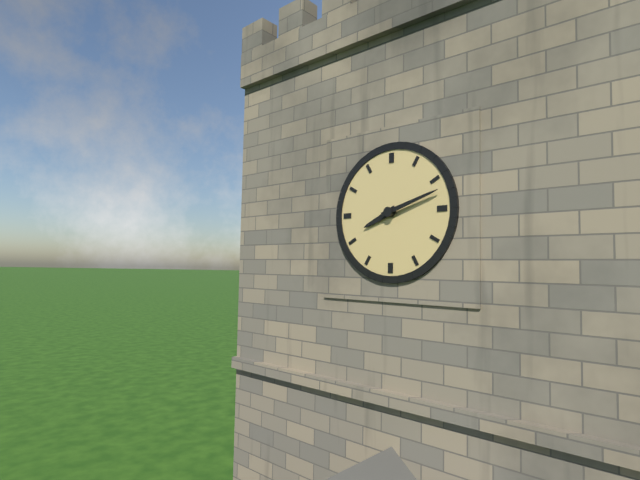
**8:12**
